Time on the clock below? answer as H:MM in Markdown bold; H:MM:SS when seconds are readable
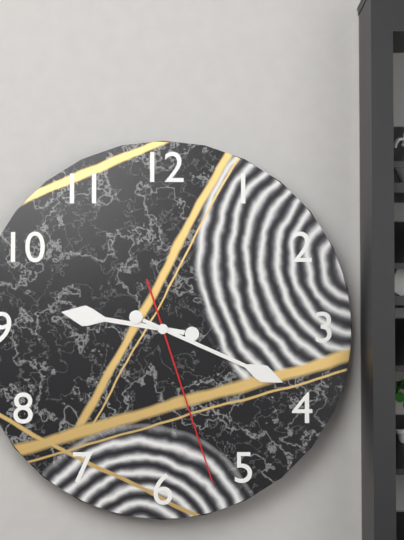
**9:19:27**
